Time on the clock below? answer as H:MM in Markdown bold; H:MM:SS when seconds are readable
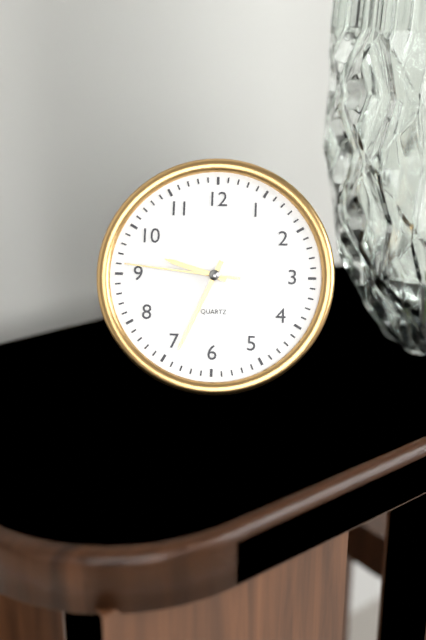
**9:34:46**
